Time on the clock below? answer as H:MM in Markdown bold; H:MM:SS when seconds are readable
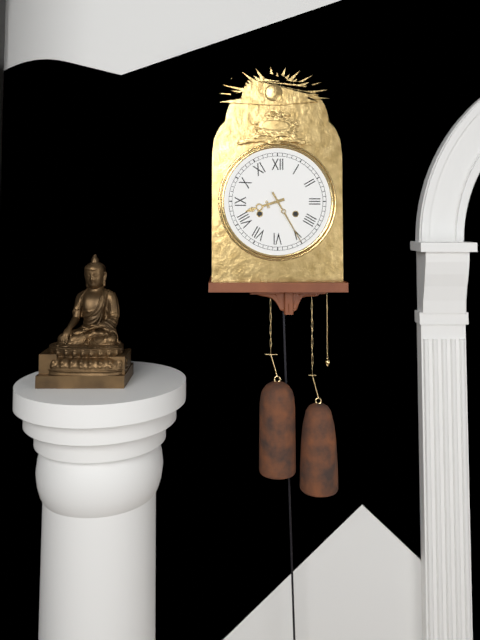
**8:25**
